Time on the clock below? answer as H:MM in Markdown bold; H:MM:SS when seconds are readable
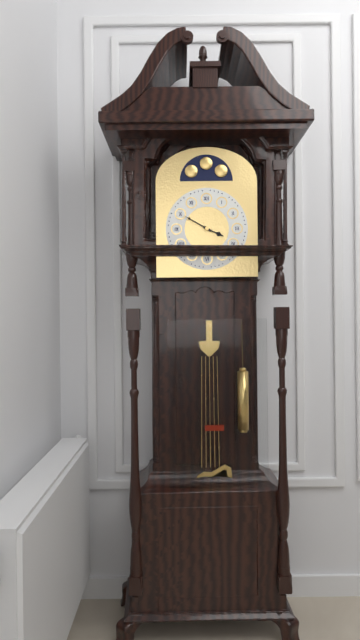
**3:50**
